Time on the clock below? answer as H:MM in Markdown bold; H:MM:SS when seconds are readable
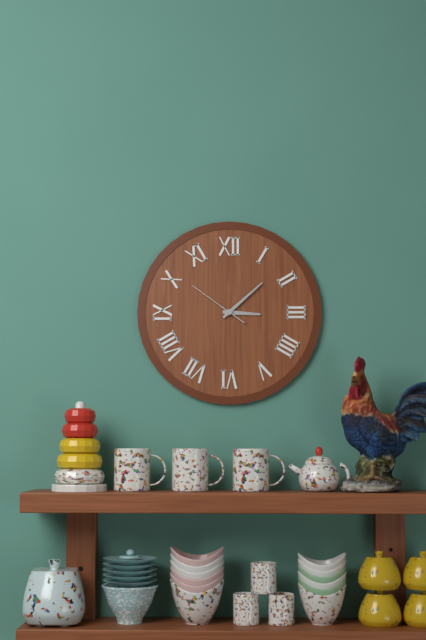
**3:08:51**
